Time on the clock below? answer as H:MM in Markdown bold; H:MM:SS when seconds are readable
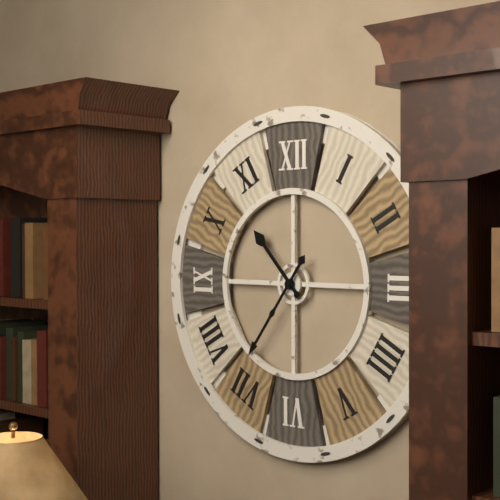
**10:36**
